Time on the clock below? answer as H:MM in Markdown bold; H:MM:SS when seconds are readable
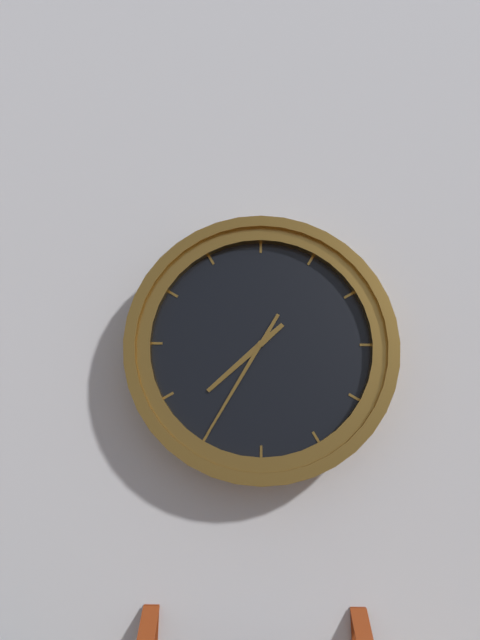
**7:35**
